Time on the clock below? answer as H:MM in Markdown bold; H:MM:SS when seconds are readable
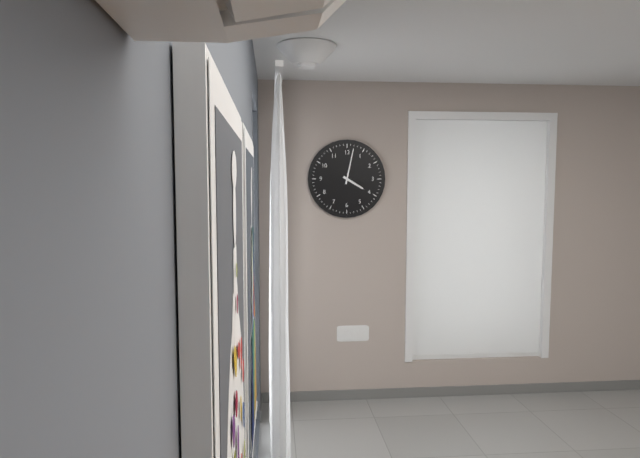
**4:02**
